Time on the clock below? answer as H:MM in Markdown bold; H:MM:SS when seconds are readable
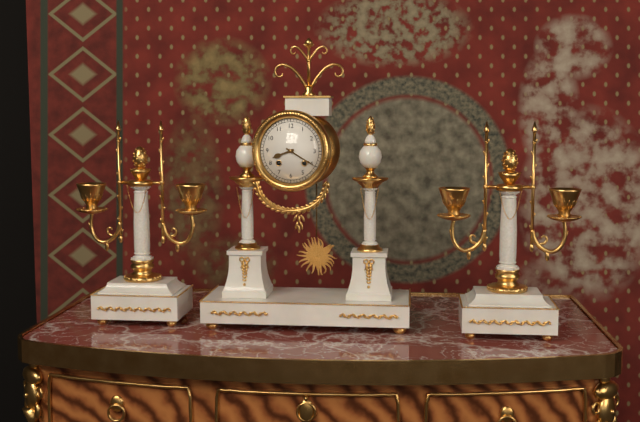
**8:20**
